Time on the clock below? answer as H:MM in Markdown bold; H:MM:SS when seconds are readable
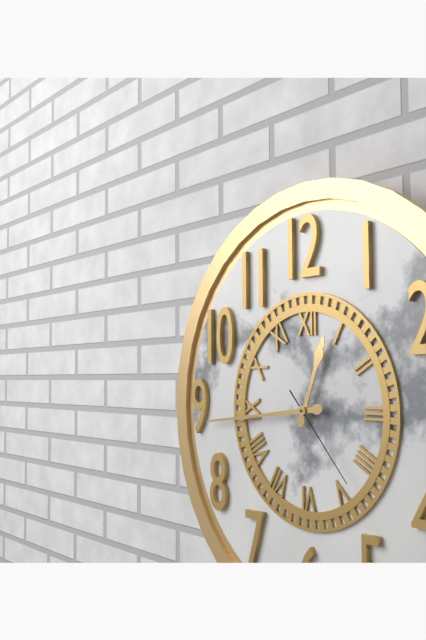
**12:44:23**
